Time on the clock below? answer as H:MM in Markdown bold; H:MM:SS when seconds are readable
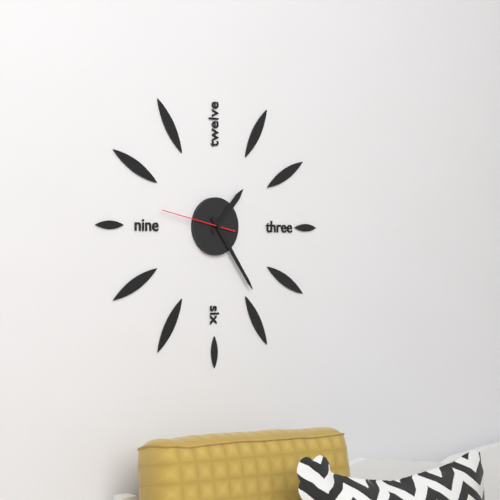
**1:24:47**
